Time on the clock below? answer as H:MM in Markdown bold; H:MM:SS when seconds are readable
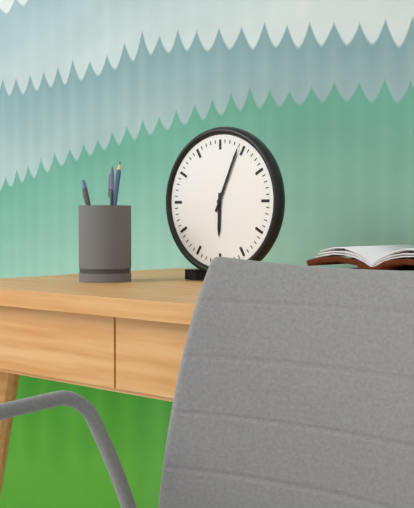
**6:04**
